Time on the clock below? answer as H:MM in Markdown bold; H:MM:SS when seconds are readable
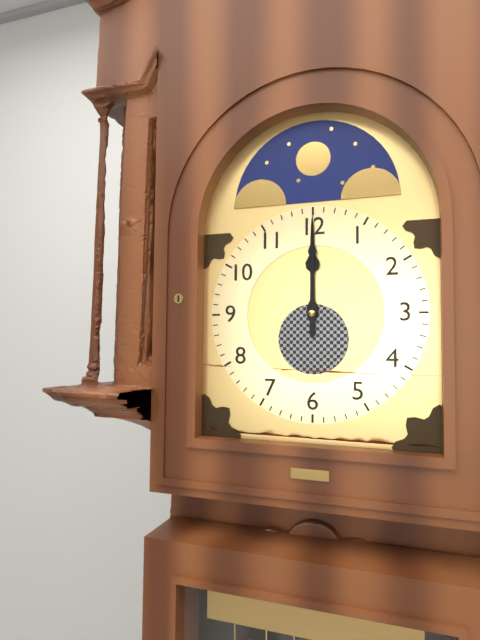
**12:00**
